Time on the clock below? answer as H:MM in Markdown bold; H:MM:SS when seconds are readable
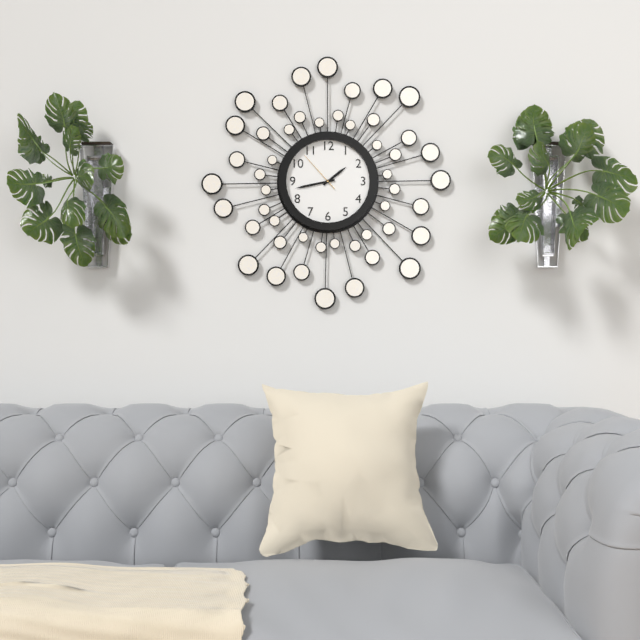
**1:43**
